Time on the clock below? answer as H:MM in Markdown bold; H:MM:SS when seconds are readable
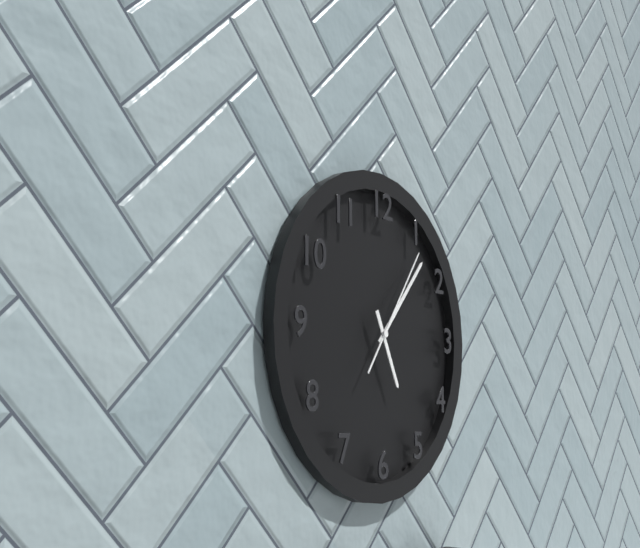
**5:07:06**
